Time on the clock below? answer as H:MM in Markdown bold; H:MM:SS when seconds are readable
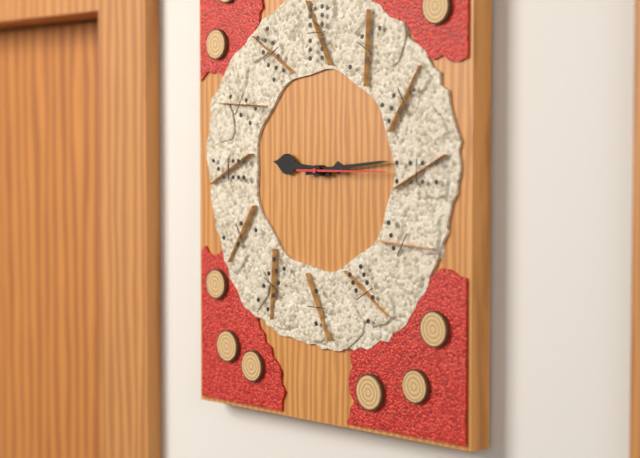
**9:14:15**
